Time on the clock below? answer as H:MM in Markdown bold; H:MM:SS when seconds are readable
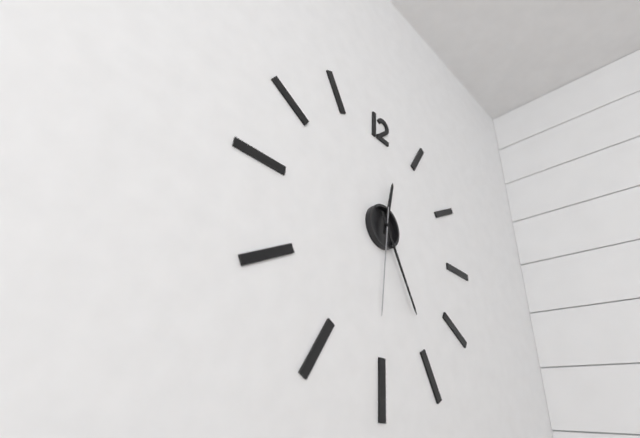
**12:25:31**
